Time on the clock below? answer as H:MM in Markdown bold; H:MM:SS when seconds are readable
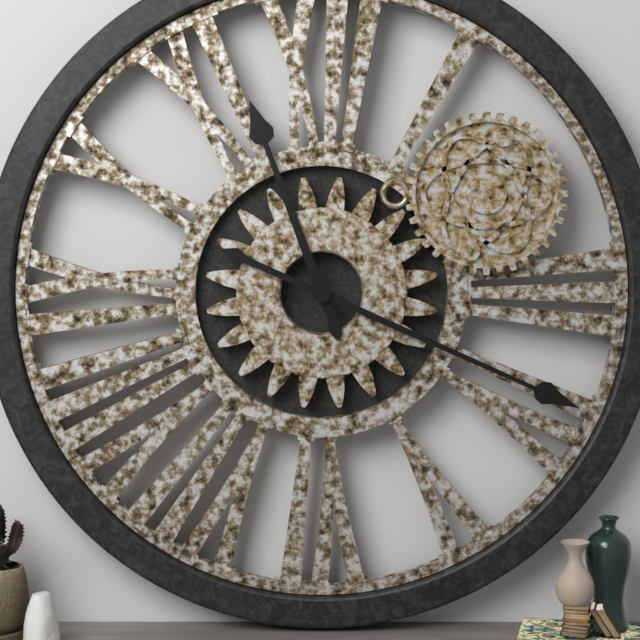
**11:19**
